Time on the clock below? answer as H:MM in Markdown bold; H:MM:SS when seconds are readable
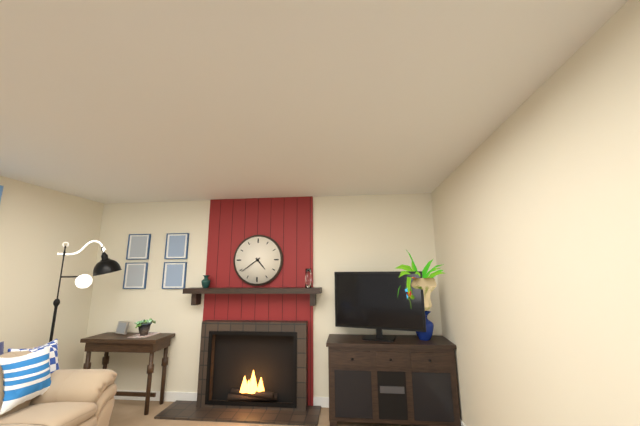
**4:39**
